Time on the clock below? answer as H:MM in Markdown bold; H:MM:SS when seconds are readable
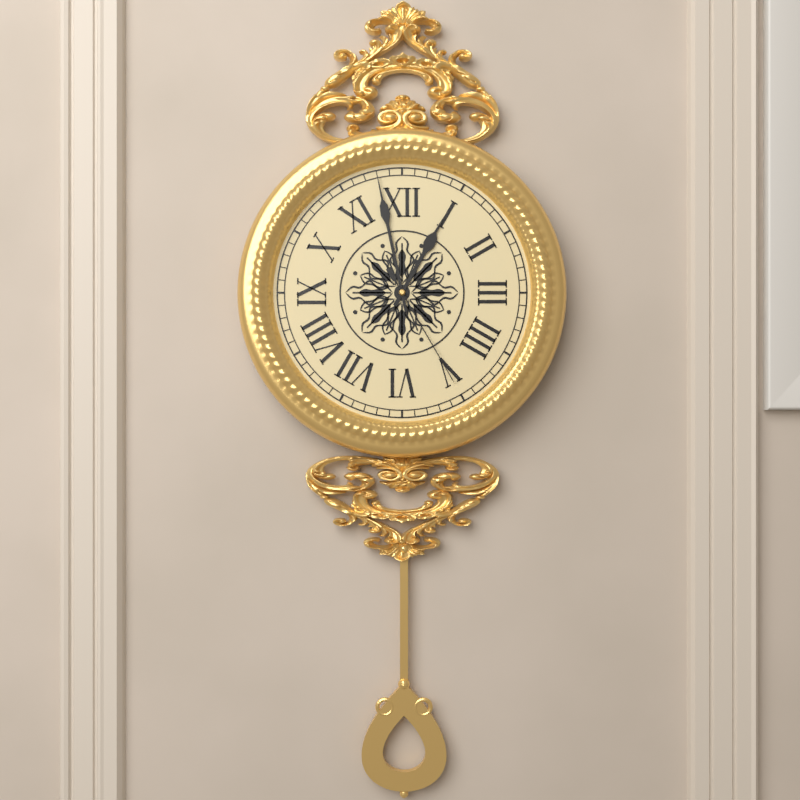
**12:58:25**
